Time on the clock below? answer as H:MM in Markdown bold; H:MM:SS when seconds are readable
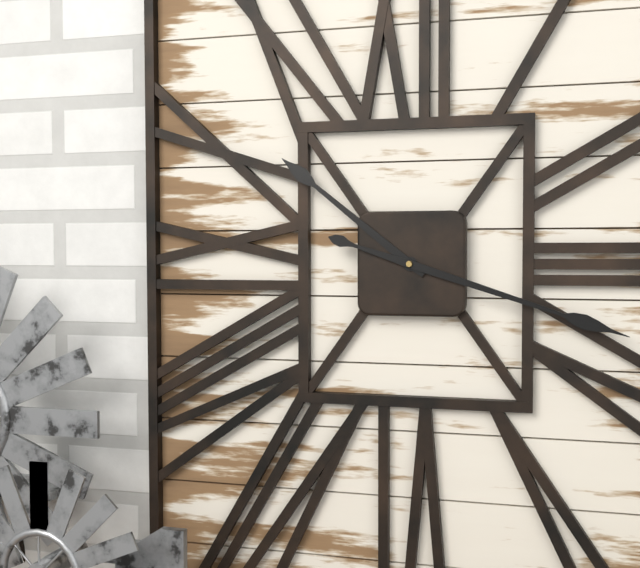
**10:18**
